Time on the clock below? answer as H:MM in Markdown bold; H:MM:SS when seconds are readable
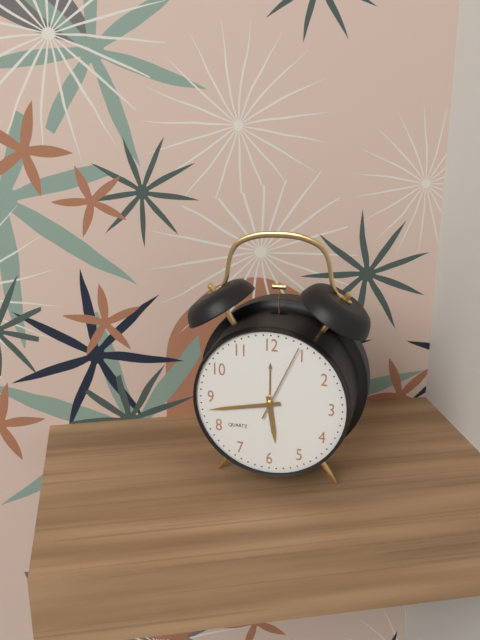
**5:43:04**
